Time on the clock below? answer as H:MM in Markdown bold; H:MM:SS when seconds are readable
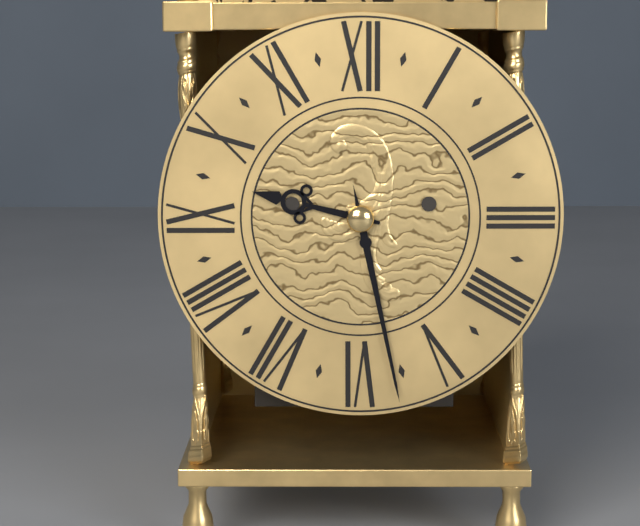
**9:28**
